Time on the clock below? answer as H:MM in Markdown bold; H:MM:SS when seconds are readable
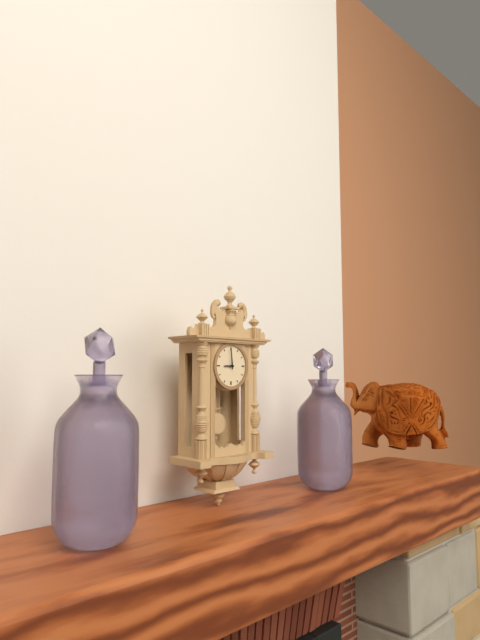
**8:59**
